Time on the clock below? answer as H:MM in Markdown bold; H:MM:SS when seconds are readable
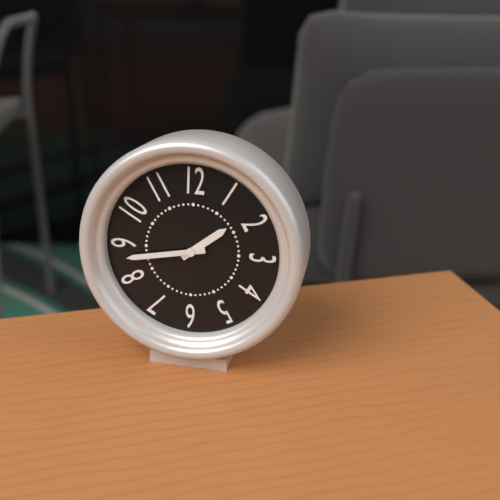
**1:43**
